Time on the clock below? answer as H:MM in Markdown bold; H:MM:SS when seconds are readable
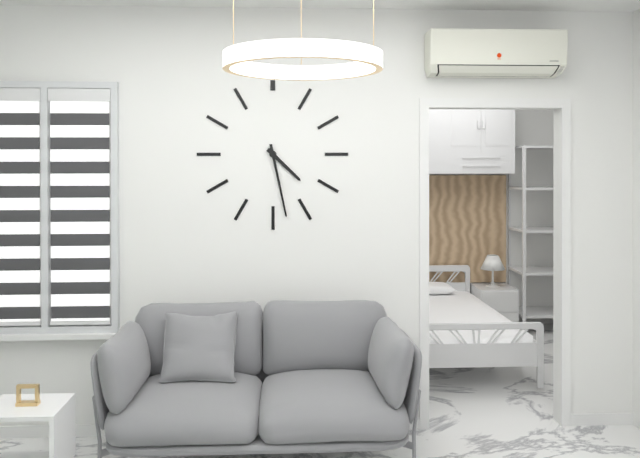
**4:28**
